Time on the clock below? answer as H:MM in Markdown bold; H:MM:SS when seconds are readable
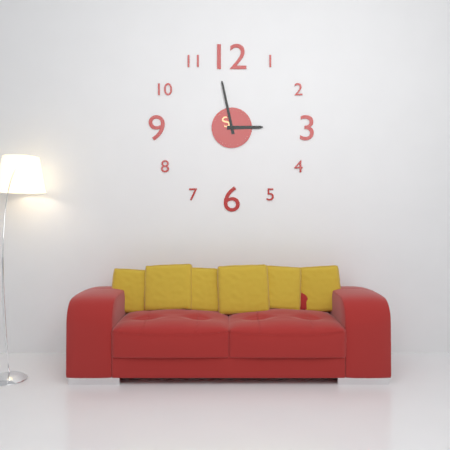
**2:58**
